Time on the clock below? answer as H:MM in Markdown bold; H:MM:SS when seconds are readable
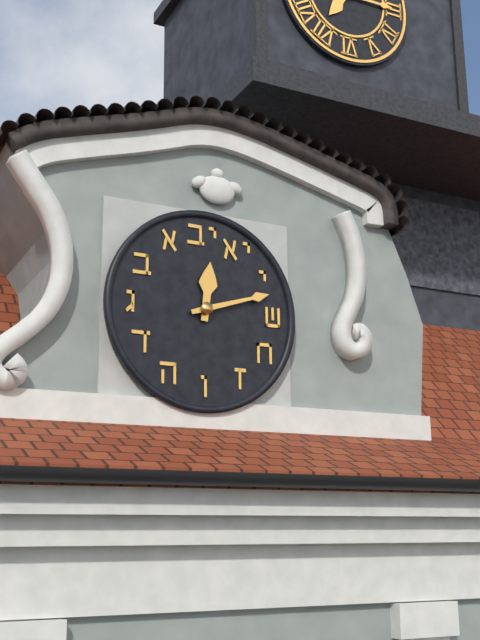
**12:12**
